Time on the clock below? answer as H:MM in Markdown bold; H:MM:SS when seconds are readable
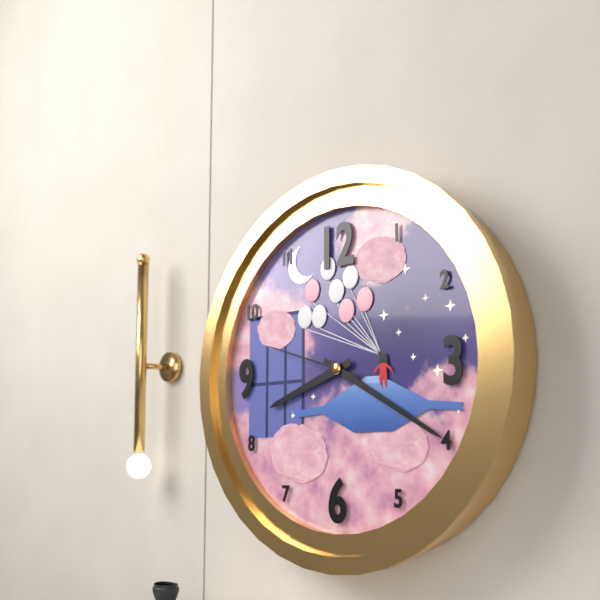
**8:20:48**
